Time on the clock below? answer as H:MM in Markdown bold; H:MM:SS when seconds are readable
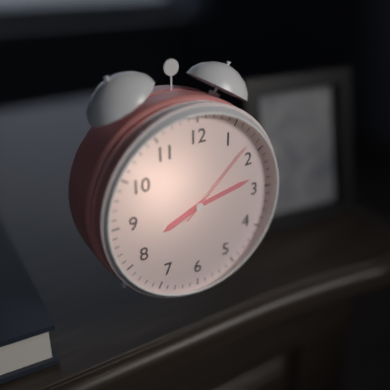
**8:13:08**
